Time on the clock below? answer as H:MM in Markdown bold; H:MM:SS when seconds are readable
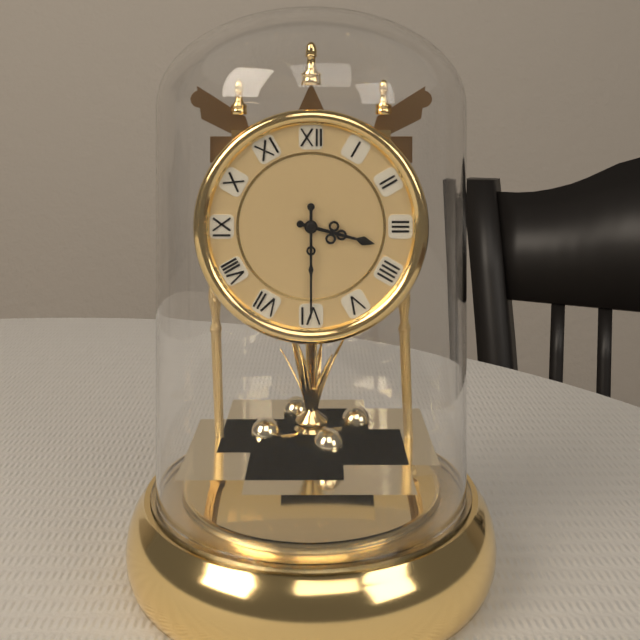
**3:30**
